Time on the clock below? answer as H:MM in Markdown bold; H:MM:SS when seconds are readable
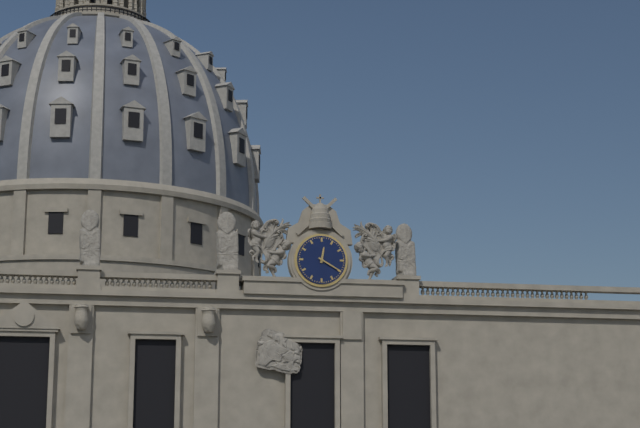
**12:20**
